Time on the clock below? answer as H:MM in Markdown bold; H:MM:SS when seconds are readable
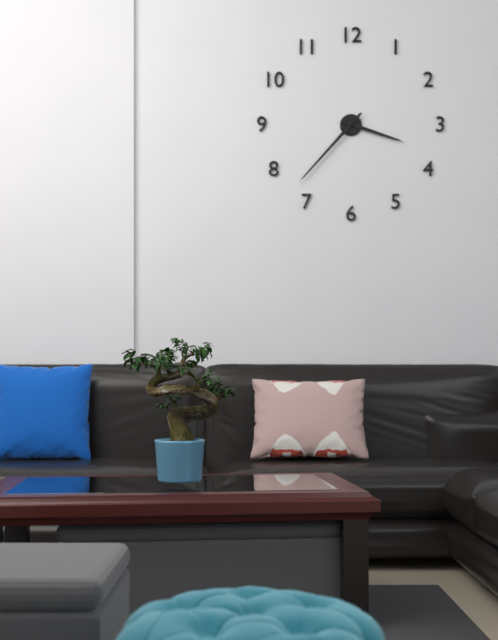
**3:37**
